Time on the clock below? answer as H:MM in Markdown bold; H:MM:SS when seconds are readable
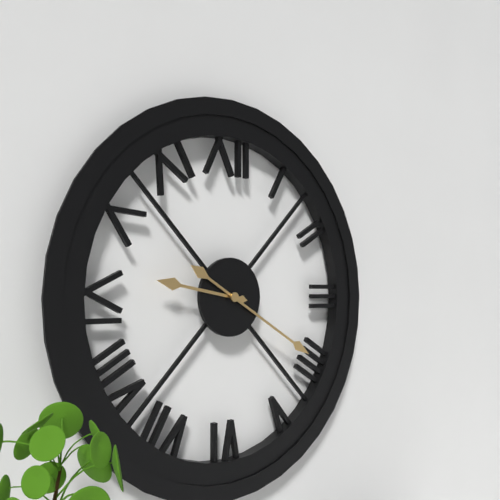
**9:20**
